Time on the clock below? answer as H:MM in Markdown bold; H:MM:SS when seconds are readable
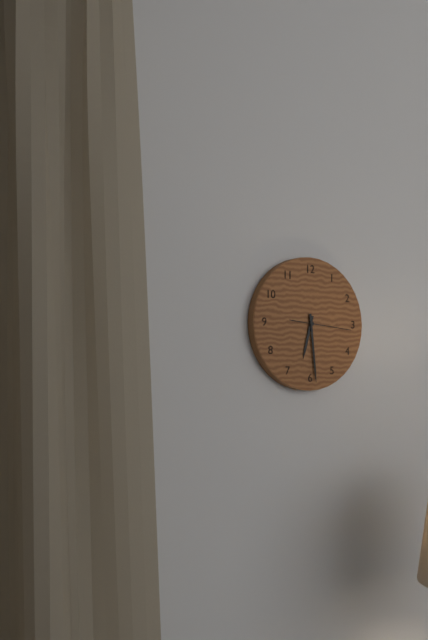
**6:29**
